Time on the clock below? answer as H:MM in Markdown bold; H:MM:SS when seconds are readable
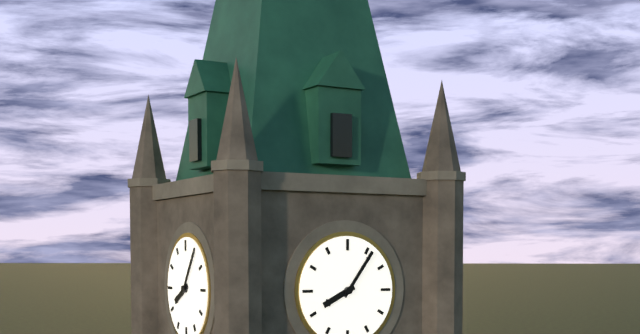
**8:06**
